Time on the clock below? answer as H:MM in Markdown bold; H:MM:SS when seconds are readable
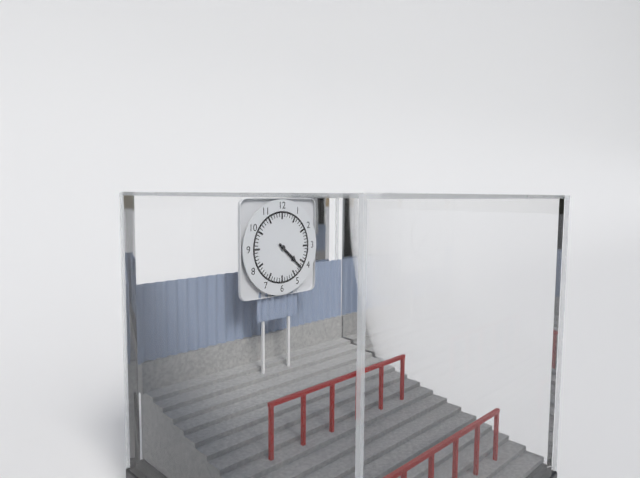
**4:22**
